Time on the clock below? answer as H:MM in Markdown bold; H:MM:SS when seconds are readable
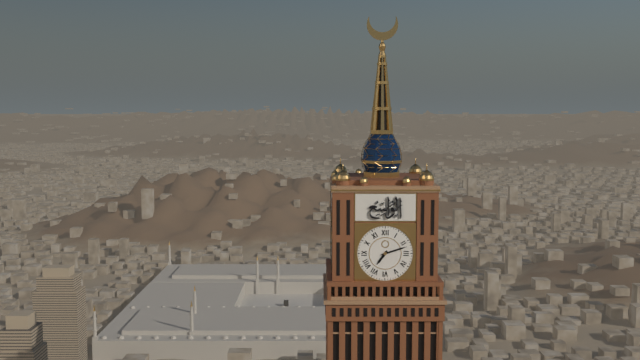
**7:12**
